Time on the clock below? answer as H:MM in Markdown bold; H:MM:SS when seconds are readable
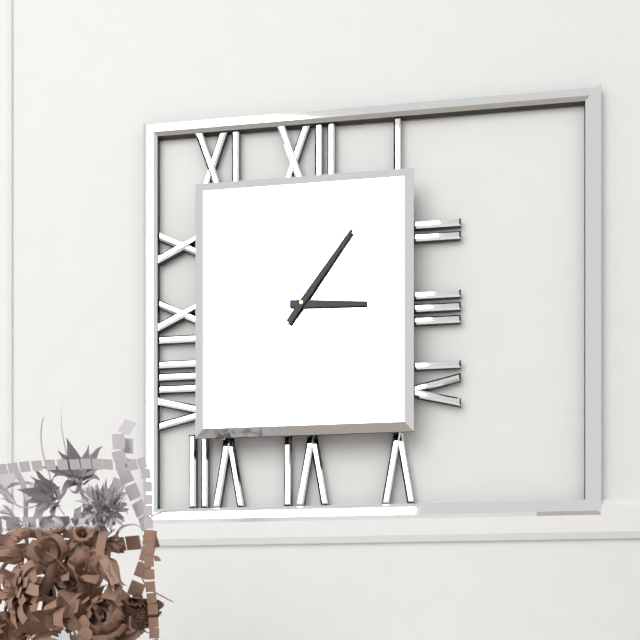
**3:06**
